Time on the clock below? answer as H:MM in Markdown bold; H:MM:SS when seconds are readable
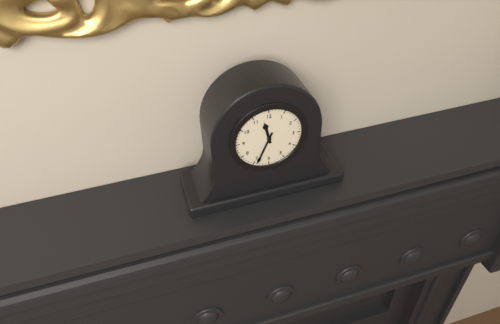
**11:34**
